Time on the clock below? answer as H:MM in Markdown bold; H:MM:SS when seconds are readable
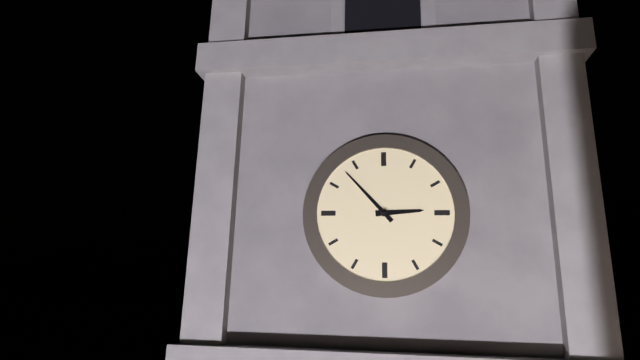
**2:53**
